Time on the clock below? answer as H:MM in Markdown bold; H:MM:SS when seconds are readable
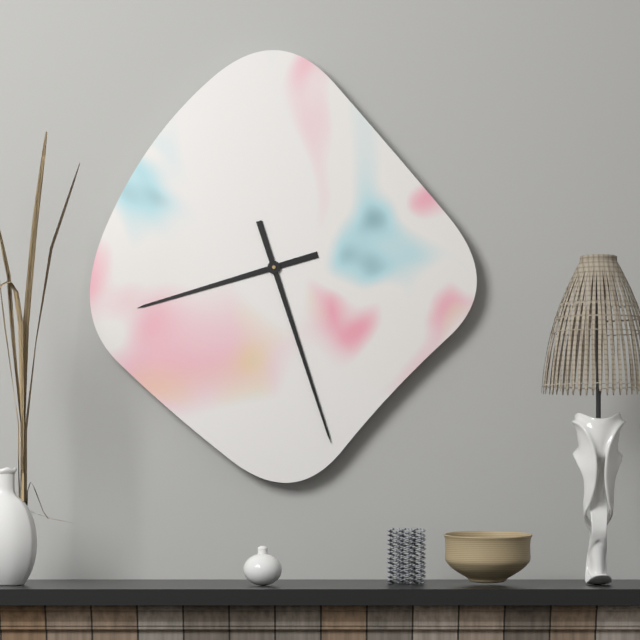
**8:27**
